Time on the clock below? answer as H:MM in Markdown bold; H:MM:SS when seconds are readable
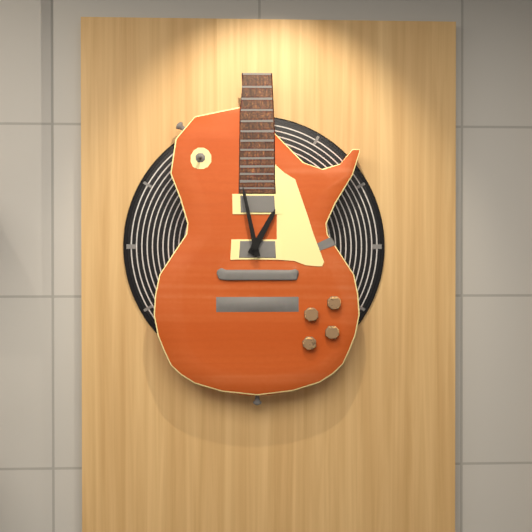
**12:58**
